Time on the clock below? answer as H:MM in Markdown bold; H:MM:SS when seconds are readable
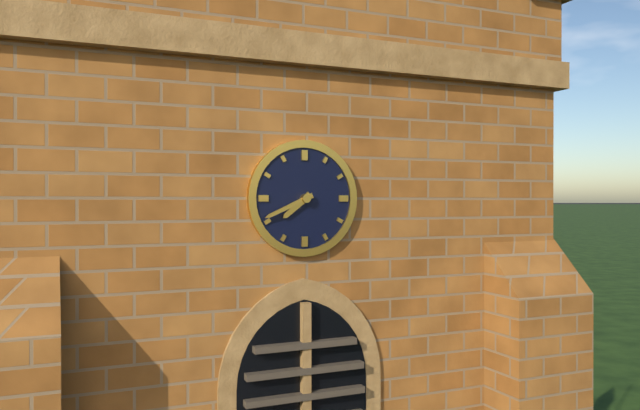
**7:41**
